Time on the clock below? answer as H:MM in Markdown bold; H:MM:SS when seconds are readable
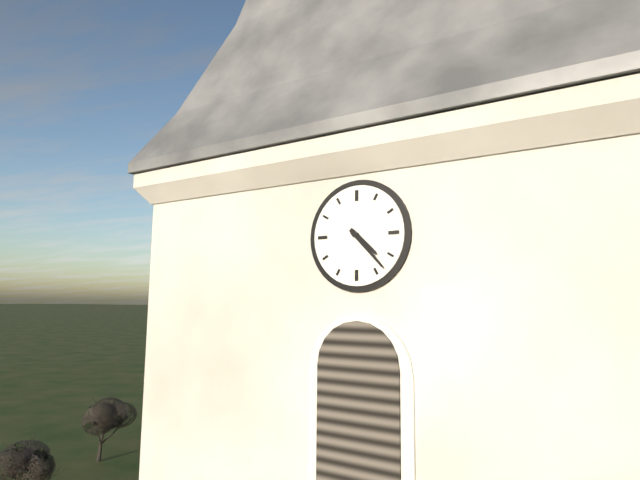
**4:23**
